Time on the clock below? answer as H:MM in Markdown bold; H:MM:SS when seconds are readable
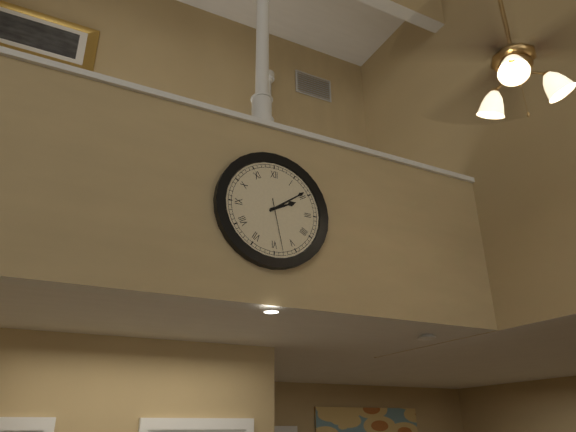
**2:09:28**
